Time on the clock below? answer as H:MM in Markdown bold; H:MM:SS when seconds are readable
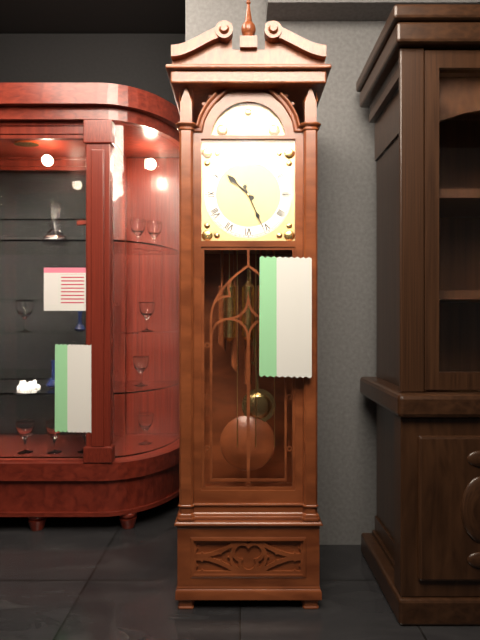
**10:26**
